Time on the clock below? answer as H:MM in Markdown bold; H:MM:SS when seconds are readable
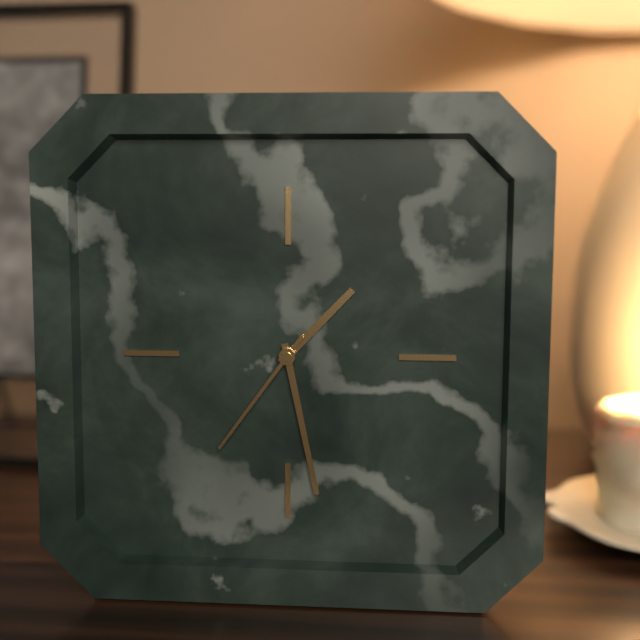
**1:28:36**
